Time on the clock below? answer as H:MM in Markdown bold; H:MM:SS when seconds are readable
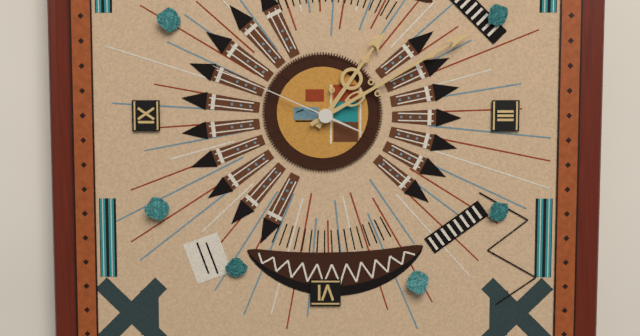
**1:10:49**
